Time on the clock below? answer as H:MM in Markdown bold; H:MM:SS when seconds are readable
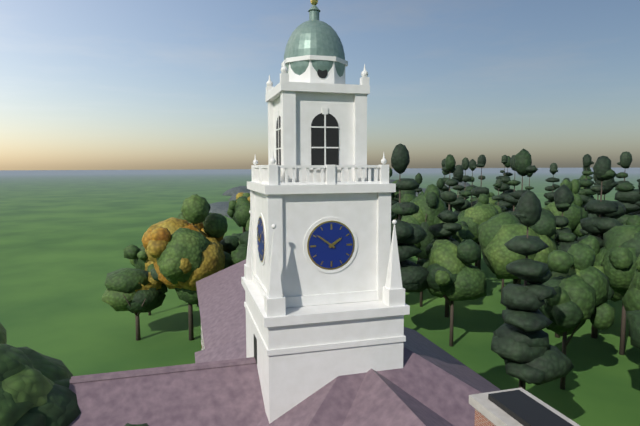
**1:51**
